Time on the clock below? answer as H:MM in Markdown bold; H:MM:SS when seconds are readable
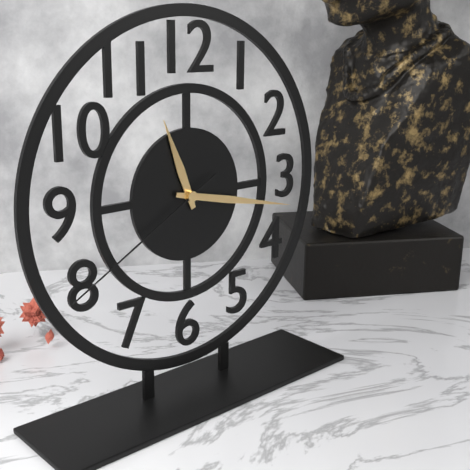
**11:17:40**
